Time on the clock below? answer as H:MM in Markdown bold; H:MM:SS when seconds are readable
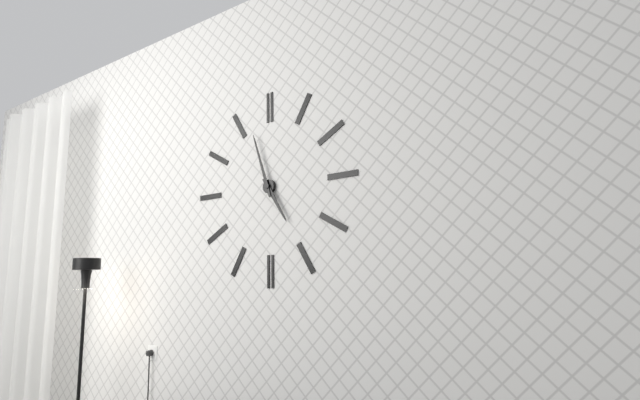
**4:57**
